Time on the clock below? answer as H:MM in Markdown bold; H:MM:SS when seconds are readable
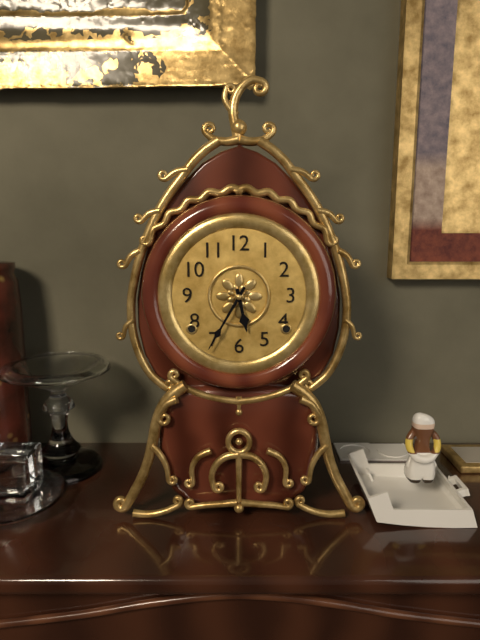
**5:35**
